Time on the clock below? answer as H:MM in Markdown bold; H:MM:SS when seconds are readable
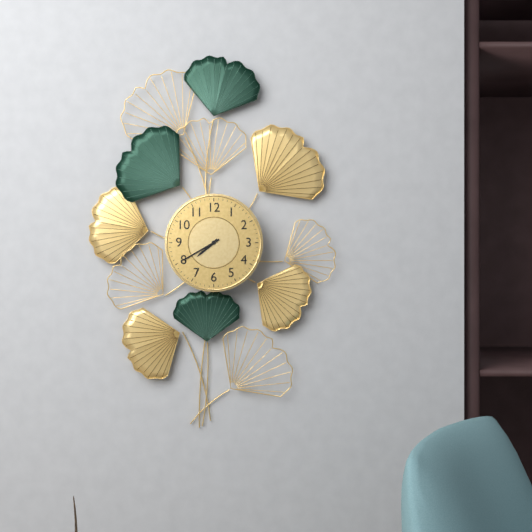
**7:40**
